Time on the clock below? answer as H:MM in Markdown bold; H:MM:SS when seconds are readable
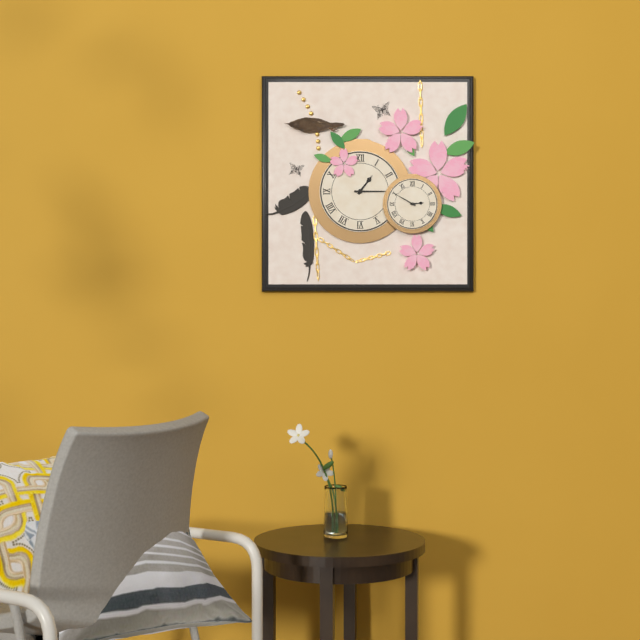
**1:15**
